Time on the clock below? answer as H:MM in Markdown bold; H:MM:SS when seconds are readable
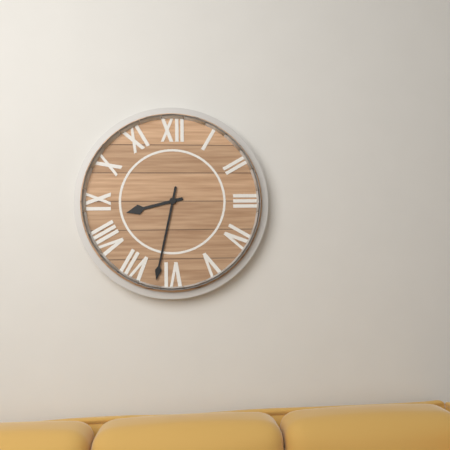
**8:32**
